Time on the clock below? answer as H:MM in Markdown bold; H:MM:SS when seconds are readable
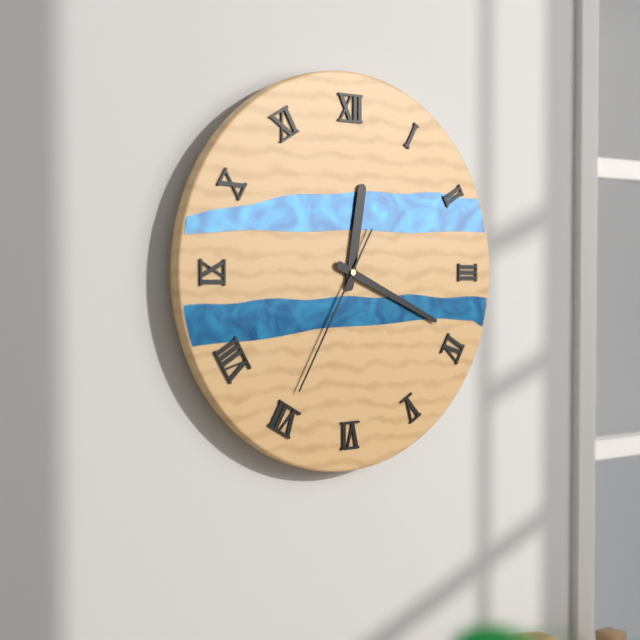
**12:19:35**
